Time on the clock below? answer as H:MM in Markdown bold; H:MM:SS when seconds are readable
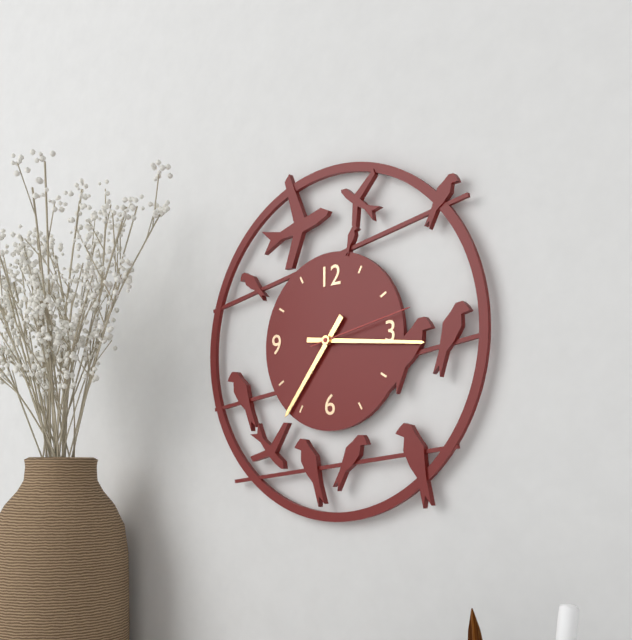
**7:16:13**
